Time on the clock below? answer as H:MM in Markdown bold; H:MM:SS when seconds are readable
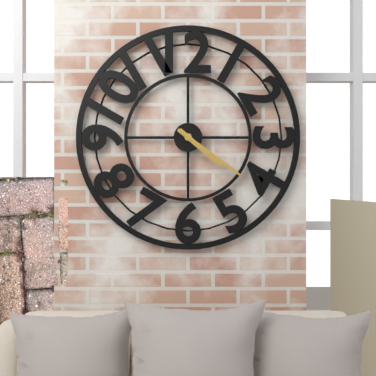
**4:21**
